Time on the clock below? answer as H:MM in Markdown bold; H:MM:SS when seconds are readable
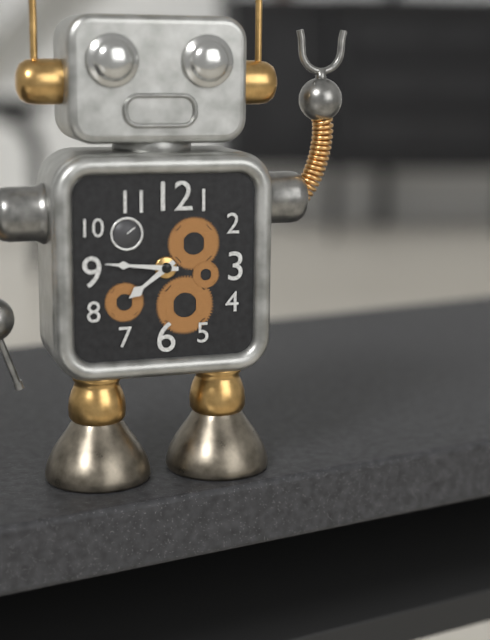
**7:46**
